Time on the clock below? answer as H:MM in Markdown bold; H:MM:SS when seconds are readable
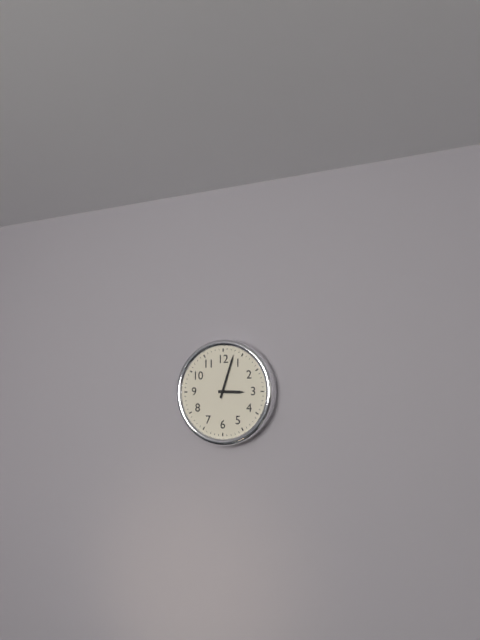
**3:03**
